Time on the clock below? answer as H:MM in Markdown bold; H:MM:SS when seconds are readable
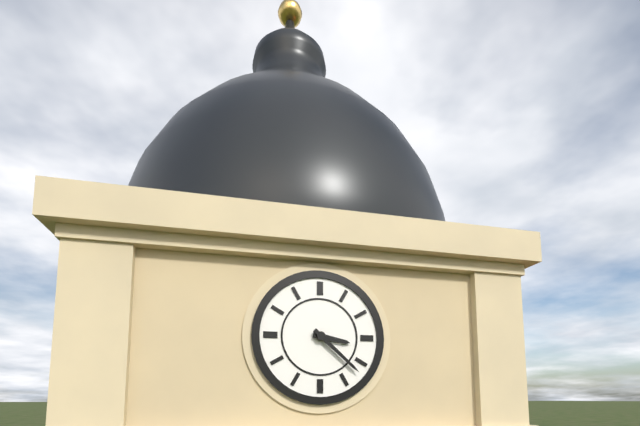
**3:22**
